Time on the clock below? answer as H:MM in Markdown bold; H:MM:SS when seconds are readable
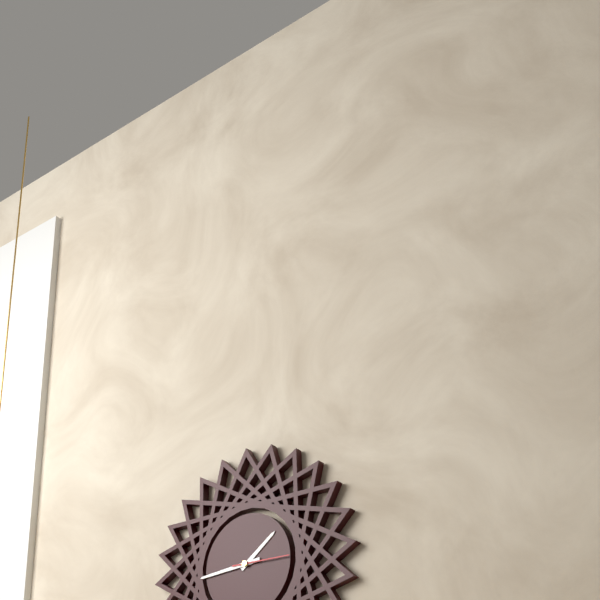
**1:44:15**
